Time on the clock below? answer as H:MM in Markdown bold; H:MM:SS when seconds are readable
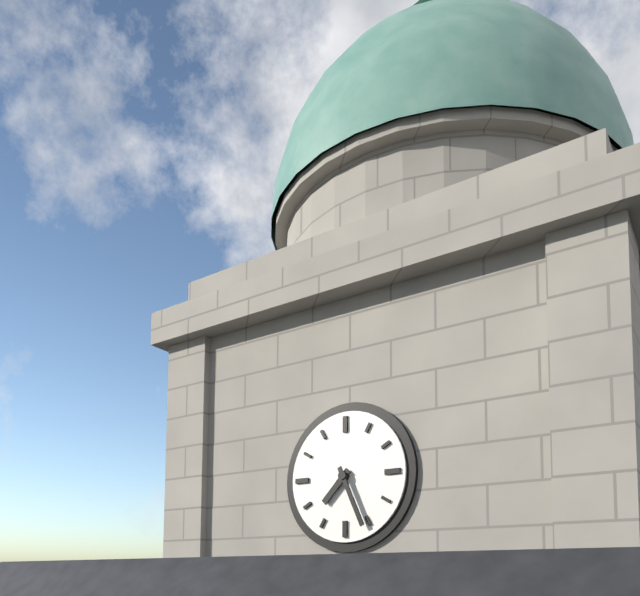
**7:26**
